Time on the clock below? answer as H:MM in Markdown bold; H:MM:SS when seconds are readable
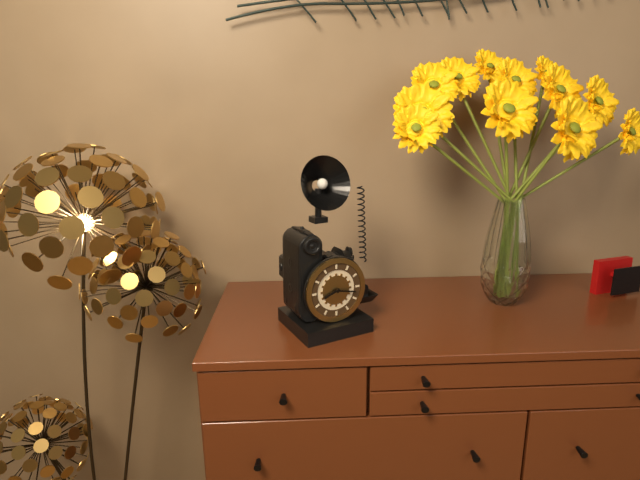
**8:17**
